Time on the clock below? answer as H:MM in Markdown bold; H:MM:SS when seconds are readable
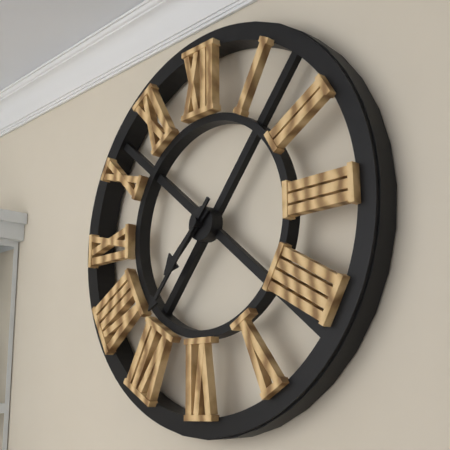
**7:37**
